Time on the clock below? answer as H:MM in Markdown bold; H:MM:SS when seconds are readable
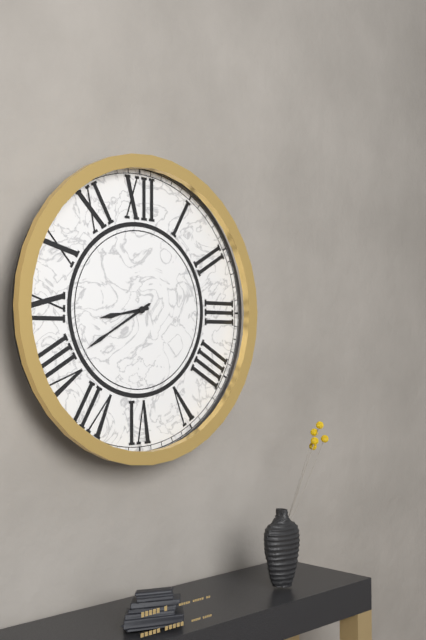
**8:40**
